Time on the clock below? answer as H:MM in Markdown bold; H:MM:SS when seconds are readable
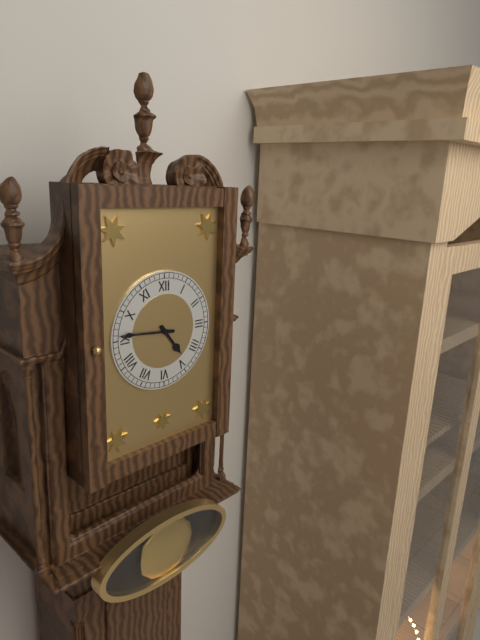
**4:46**
